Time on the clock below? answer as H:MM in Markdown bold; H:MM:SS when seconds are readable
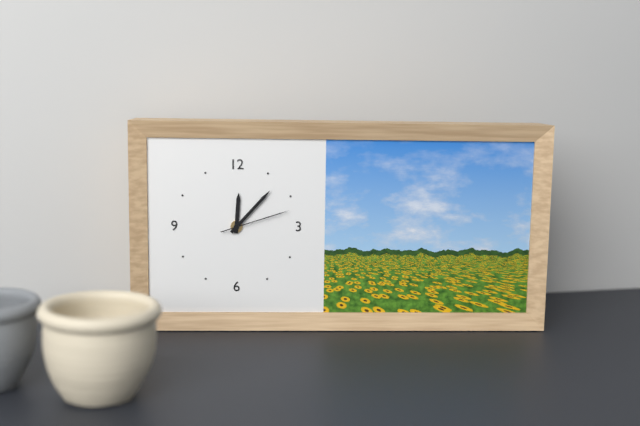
**12:07:12**
